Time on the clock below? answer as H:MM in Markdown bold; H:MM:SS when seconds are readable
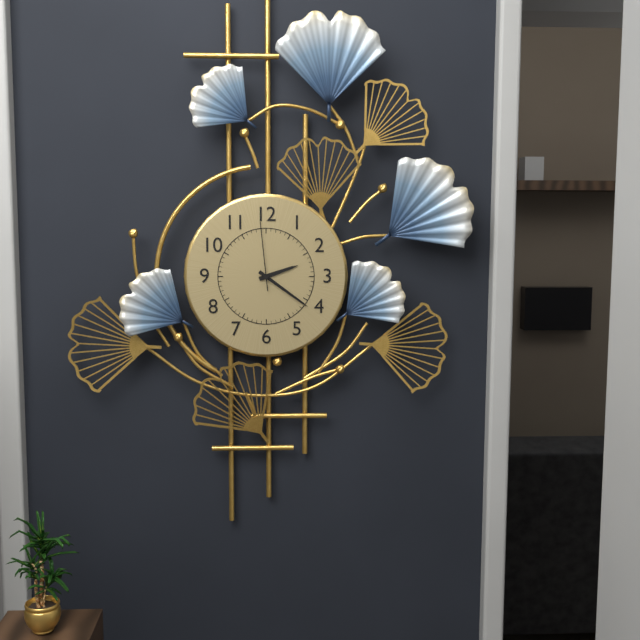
**2:21:59**
